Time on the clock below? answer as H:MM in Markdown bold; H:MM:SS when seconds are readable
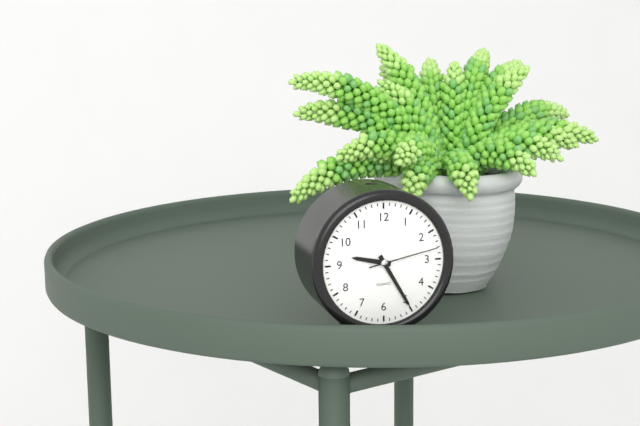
**9:25:13**
